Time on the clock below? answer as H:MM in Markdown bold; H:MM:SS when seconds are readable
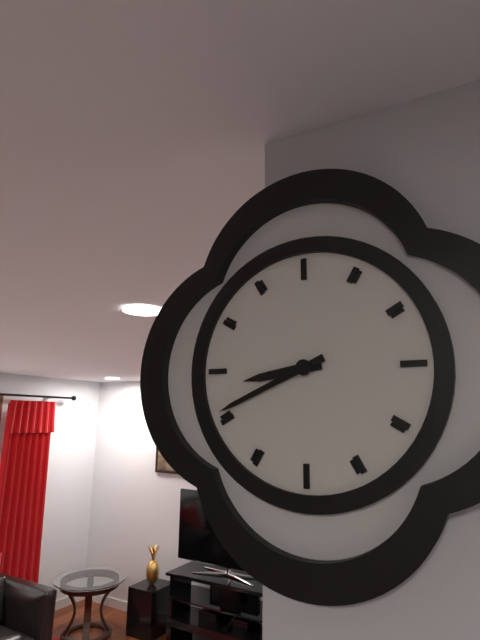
**8:41**
